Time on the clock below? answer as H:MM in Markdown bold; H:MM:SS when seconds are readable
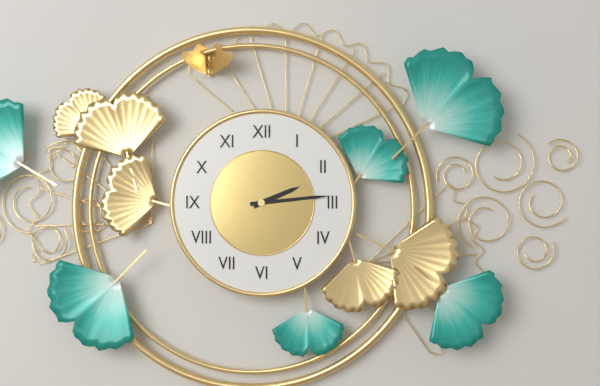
**2:14**
